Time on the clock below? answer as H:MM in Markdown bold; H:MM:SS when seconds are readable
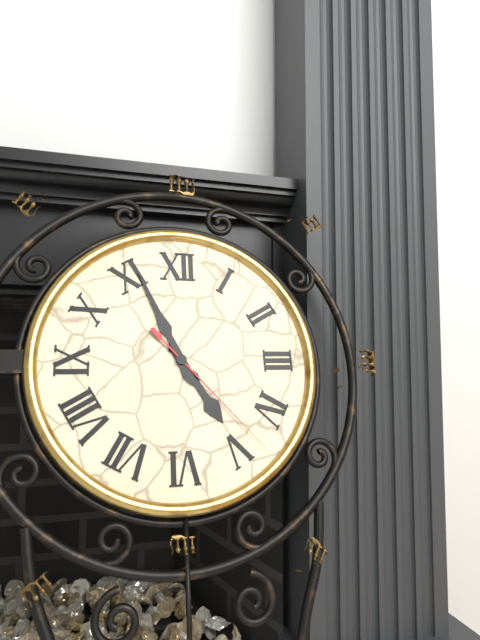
**4:56:23**
